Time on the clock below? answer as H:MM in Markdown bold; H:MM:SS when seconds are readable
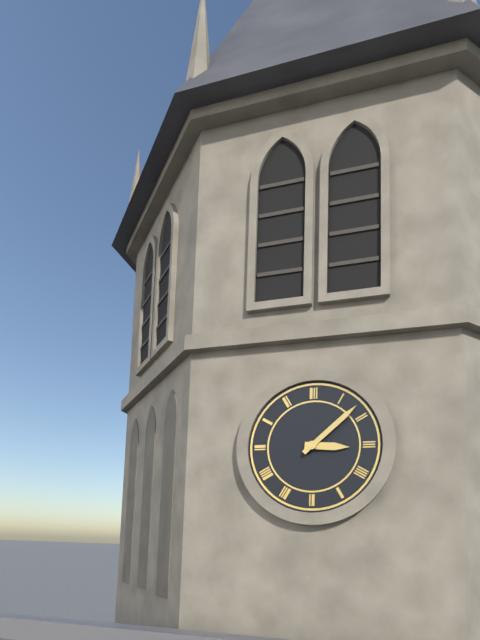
**3:08**
